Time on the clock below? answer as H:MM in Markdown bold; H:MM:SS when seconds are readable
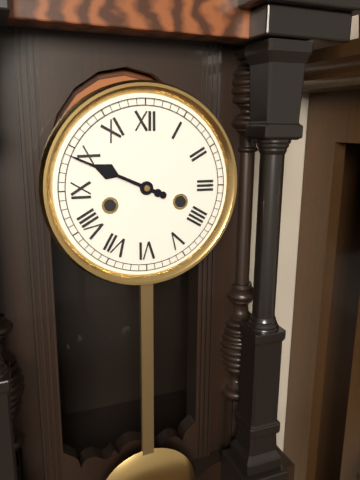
**9:49**
